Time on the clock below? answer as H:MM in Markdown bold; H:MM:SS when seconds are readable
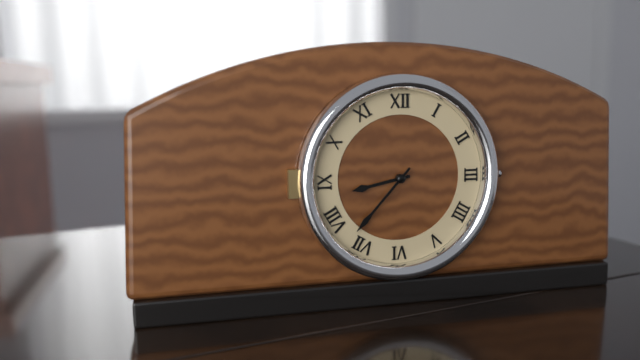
**8:37**
